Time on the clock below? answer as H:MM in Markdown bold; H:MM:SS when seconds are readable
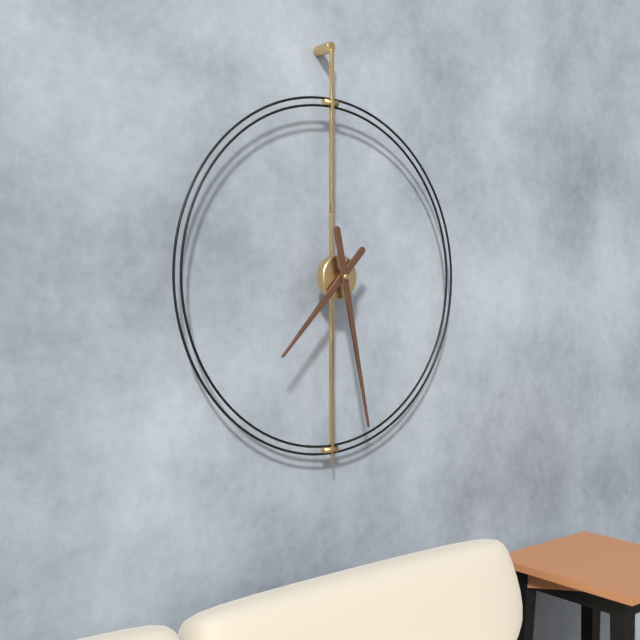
**7:28**
